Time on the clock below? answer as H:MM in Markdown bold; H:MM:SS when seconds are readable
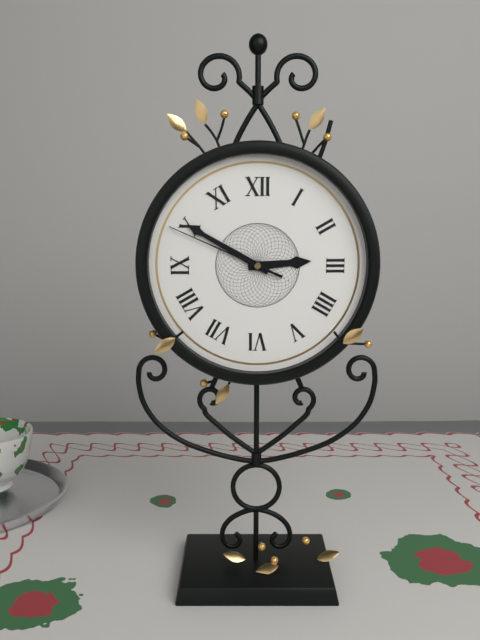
**2:50:49**
